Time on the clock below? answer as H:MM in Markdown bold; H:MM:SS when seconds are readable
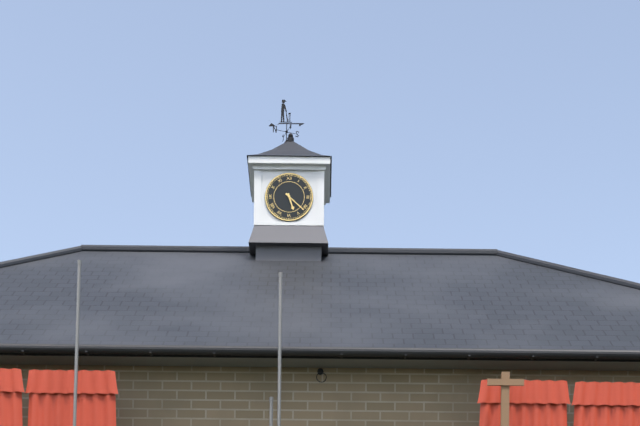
**5:22**
